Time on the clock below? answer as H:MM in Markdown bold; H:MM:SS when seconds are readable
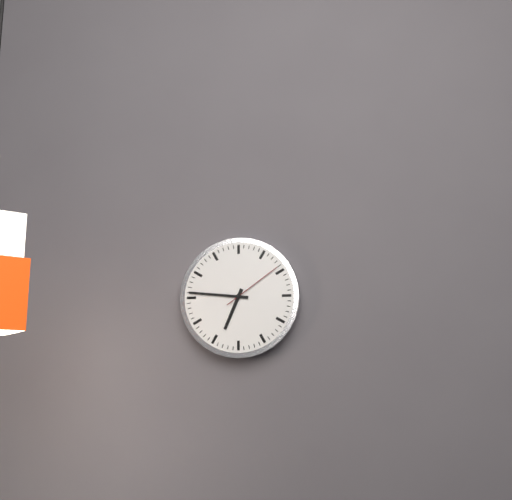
**6:46:09**
